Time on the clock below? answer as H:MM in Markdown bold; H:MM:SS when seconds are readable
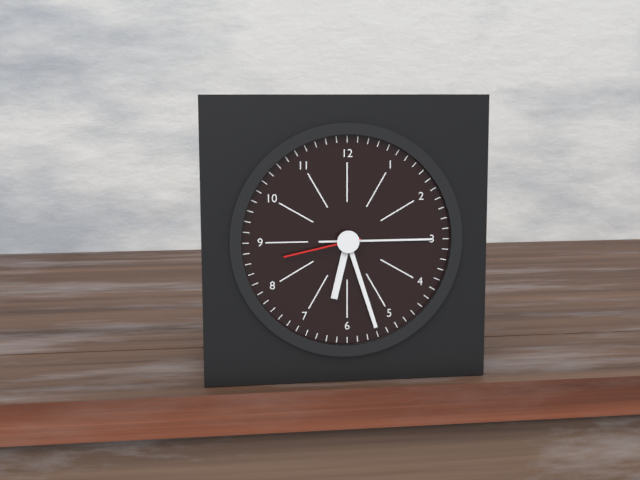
**6:27:43**
